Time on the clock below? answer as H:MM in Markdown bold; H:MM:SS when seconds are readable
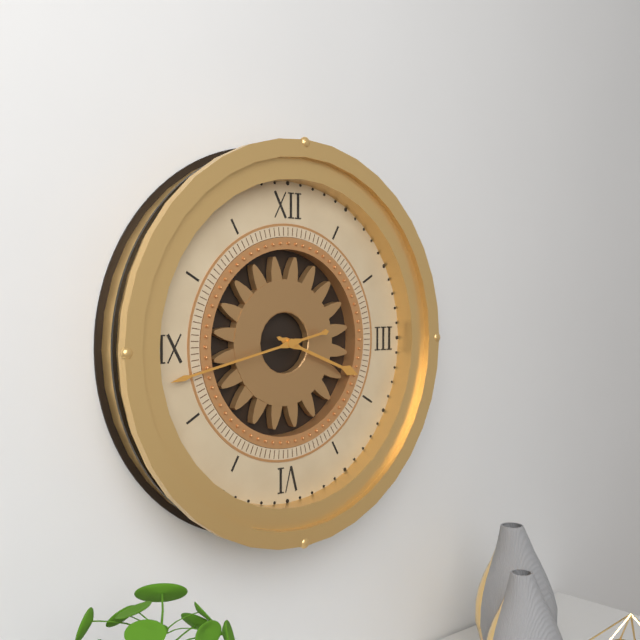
**3:43**
